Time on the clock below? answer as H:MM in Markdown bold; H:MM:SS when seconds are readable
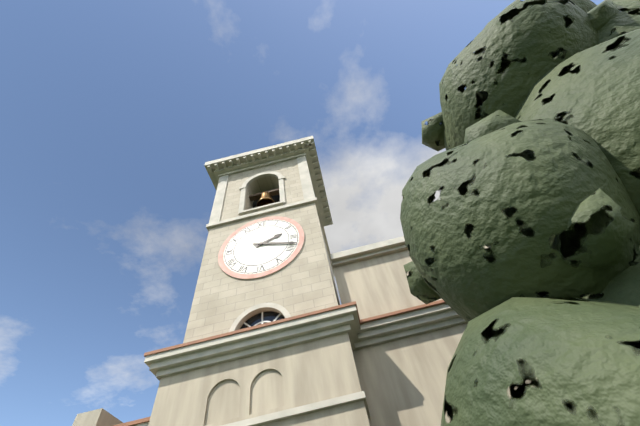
**2:18**
